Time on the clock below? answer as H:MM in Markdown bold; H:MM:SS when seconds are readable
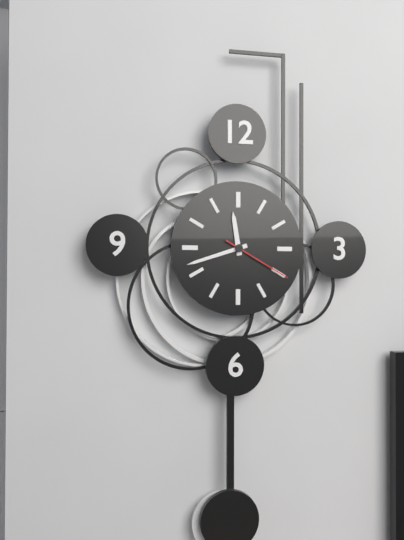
**11:42:20**
